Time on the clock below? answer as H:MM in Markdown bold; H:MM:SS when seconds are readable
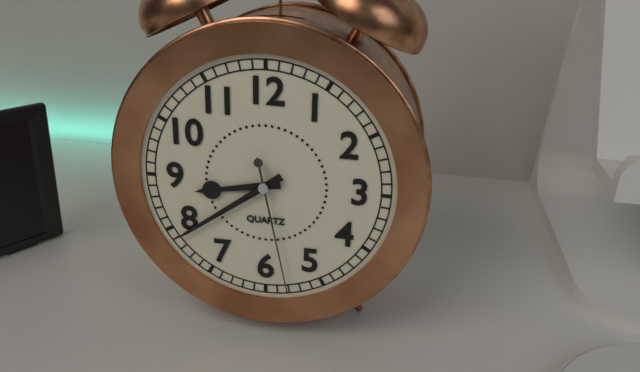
**8:39:28**
